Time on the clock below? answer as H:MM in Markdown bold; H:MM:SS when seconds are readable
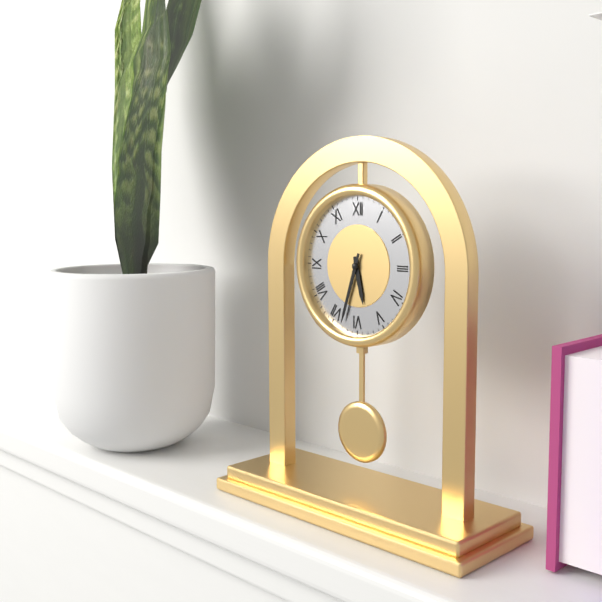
**5:33**
